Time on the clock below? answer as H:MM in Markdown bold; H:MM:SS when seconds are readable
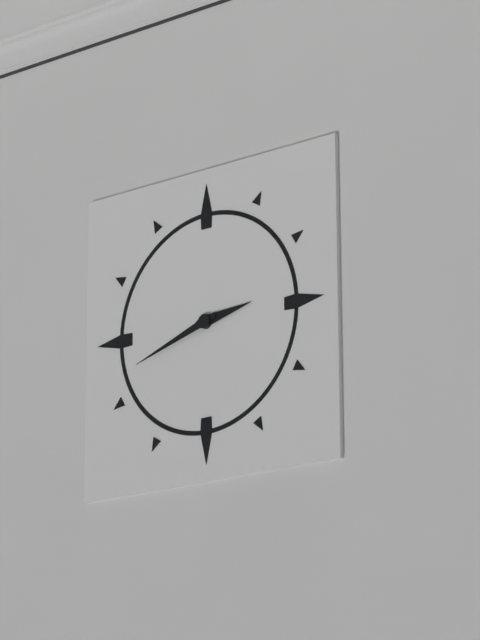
**2:42**
